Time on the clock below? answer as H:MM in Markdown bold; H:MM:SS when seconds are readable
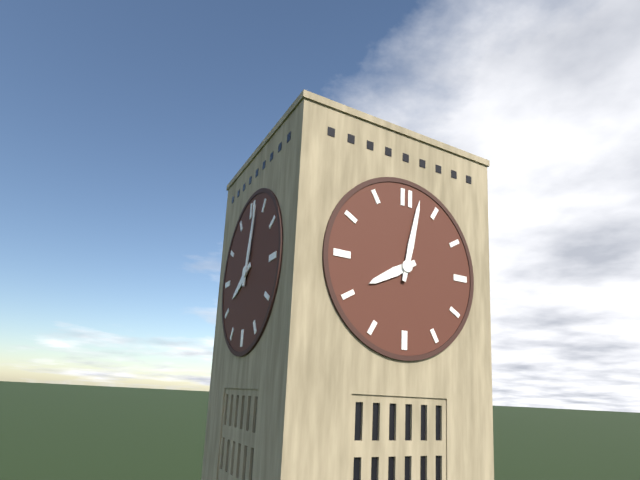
**8:02**
